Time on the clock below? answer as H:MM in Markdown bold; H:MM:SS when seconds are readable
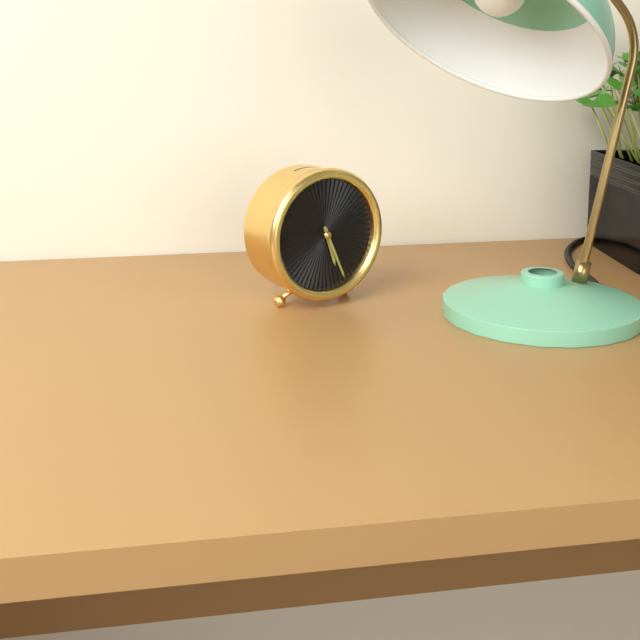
**5:26**
